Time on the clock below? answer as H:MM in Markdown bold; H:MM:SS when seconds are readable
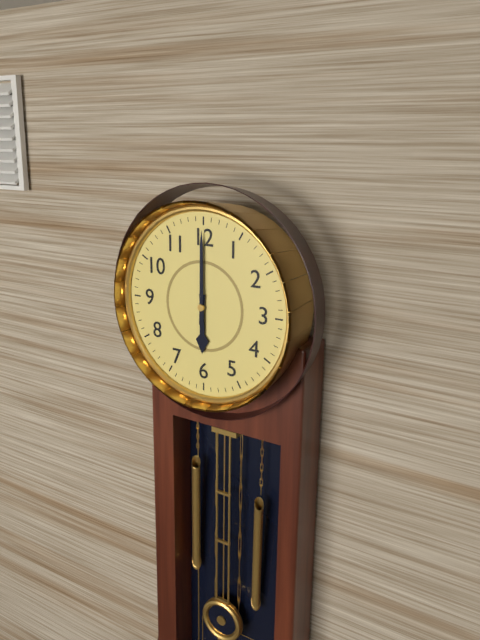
**6:00**
